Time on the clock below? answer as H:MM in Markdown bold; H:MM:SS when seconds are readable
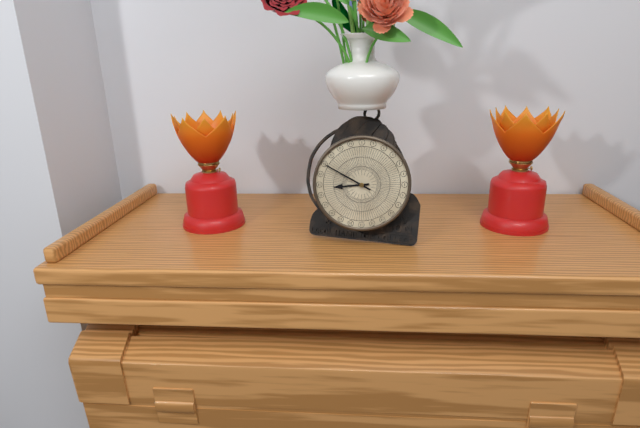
**8:50**
